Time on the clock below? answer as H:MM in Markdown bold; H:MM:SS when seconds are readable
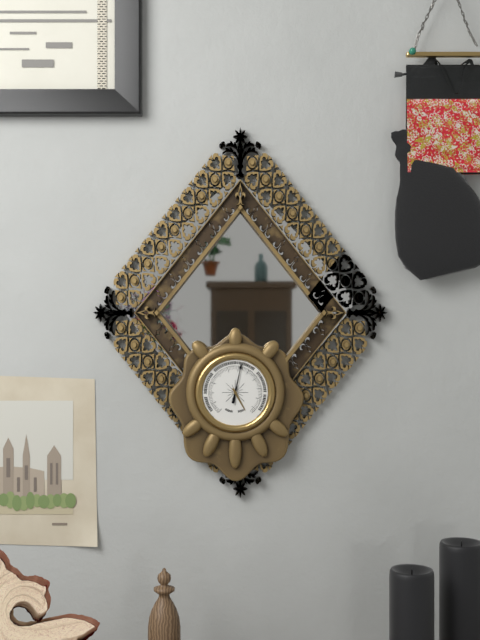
**5:02**
